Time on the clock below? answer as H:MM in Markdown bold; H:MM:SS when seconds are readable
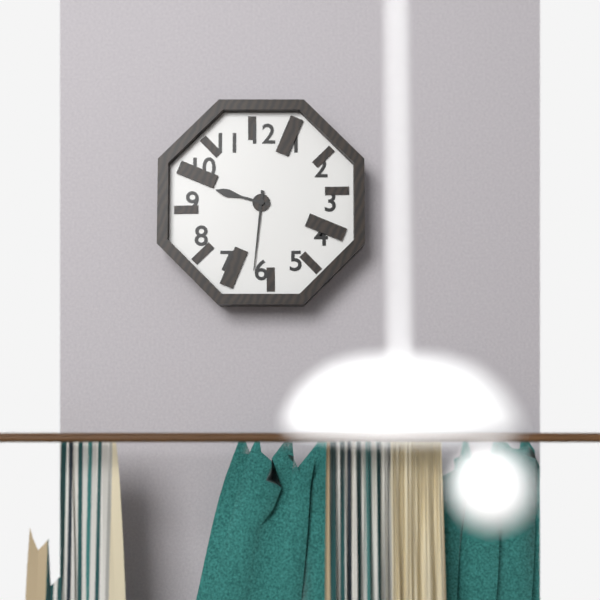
**9:31**
